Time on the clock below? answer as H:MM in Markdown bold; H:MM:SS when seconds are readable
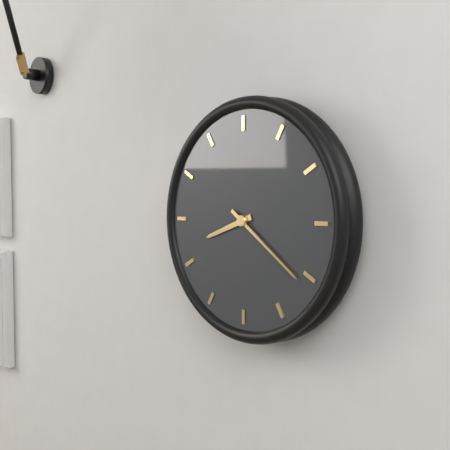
**8:21**
